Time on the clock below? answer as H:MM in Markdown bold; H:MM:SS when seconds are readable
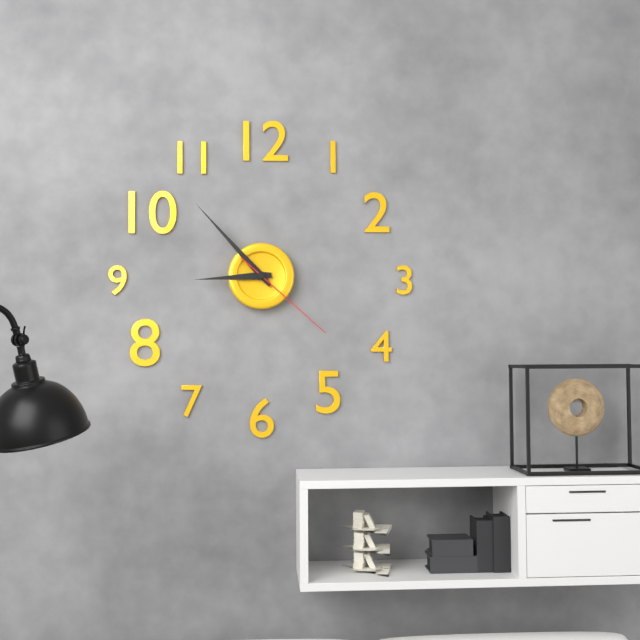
**8:53:22**
